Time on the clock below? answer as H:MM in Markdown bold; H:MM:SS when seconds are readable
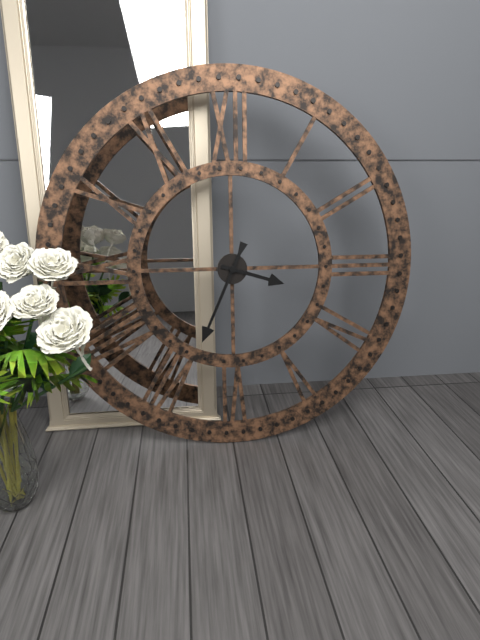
**3:34**
